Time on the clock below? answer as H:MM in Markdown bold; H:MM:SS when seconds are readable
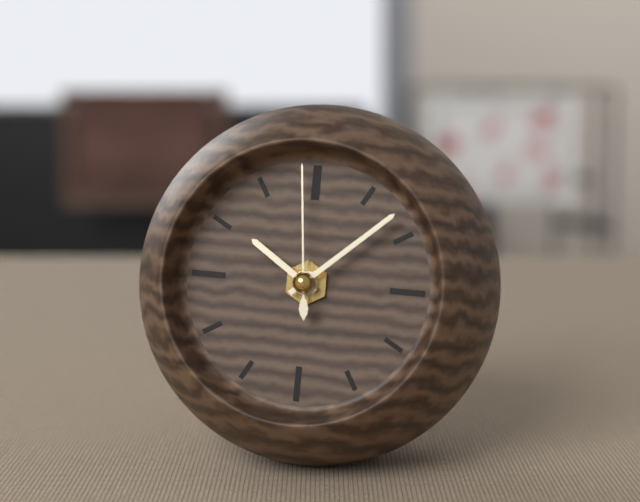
**10:08:59**
